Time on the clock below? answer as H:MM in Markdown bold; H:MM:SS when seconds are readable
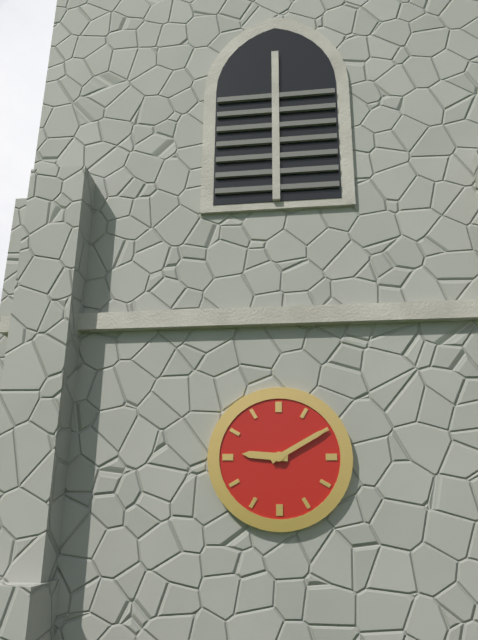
**9:10**
